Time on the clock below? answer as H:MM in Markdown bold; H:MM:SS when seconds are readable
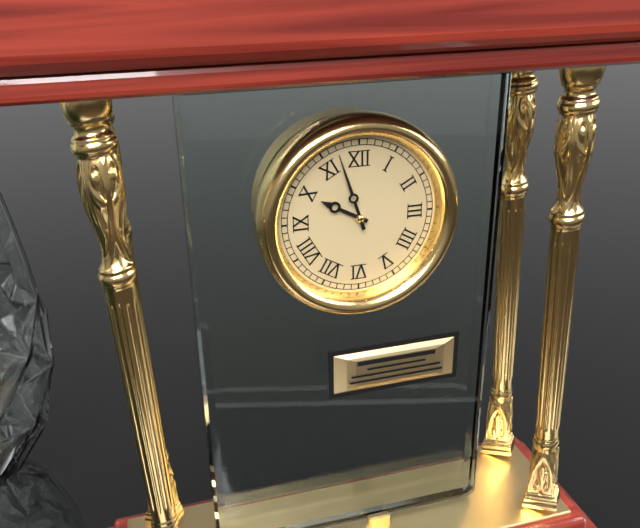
**9:57**
